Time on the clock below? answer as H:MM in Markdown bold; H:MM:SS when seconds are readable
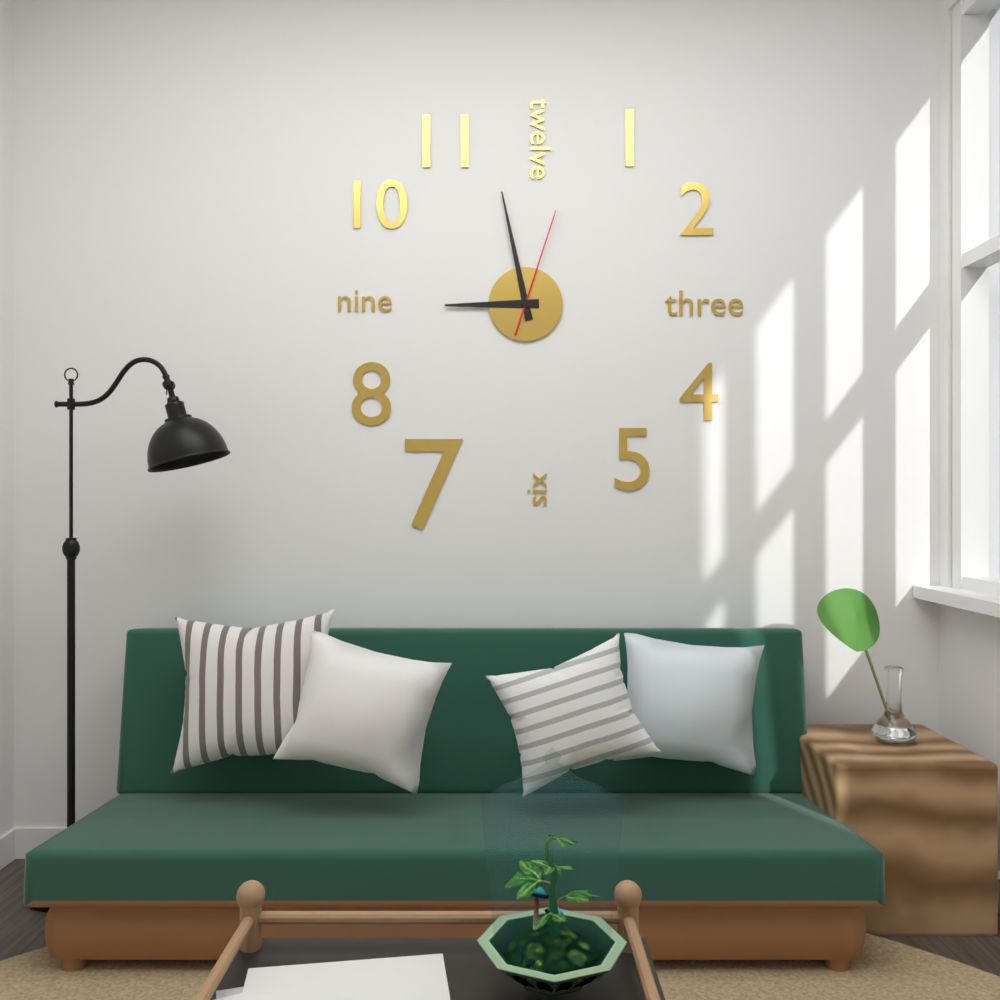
**8:58:03**
